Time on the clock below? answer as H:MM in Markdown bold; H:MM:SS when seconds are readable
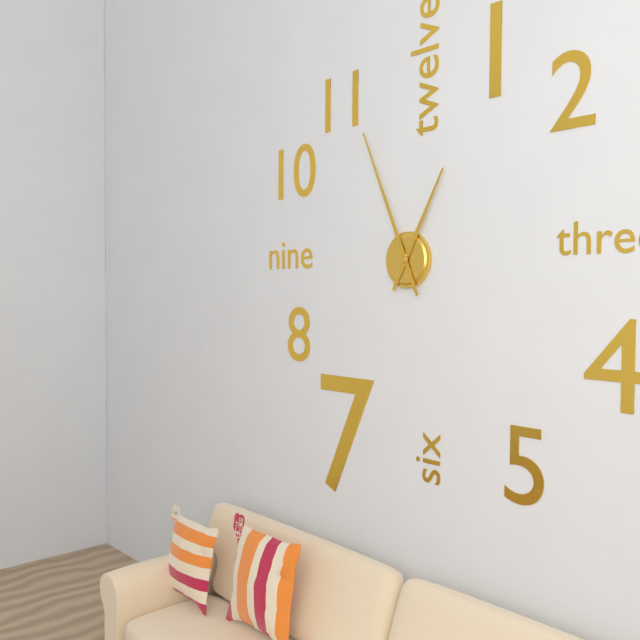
**12:56**
